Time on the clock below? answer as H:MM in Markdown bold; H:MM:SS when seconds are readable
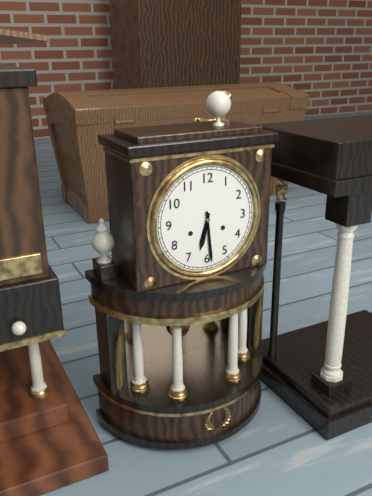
**6:29**
